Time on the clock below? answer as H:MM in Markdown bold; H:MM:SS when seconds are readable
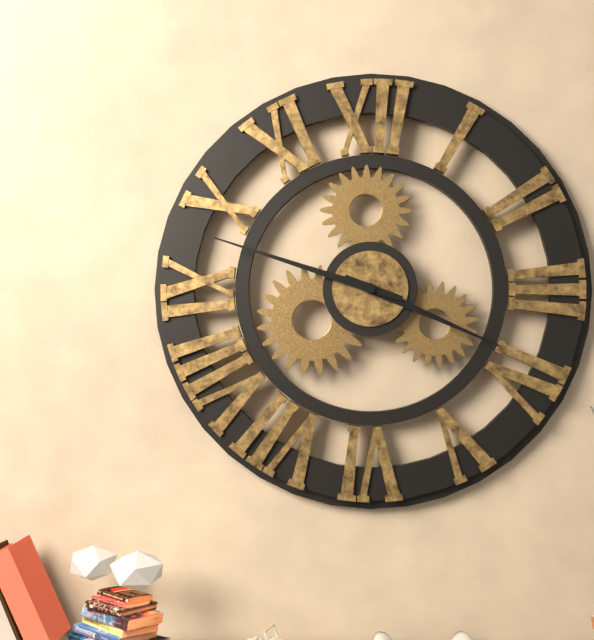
**3:48**
